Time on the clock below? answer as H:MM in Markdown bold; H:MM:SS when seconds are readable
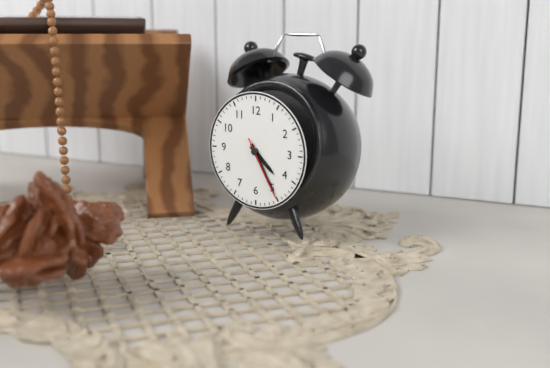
**4:25:25**
